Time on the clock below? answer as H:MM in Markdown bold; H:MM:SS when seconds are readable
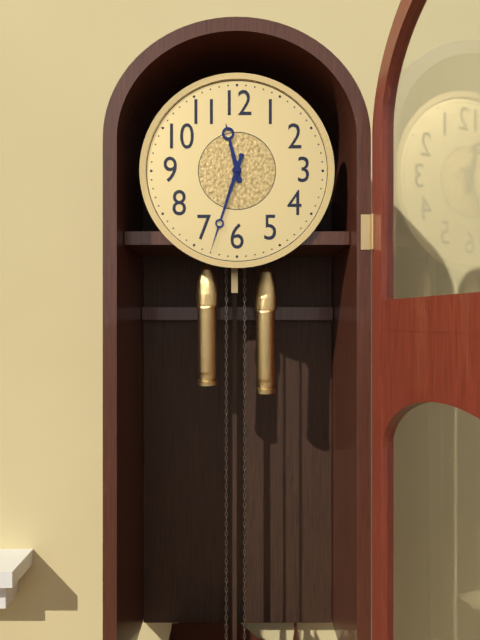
**11:33**
